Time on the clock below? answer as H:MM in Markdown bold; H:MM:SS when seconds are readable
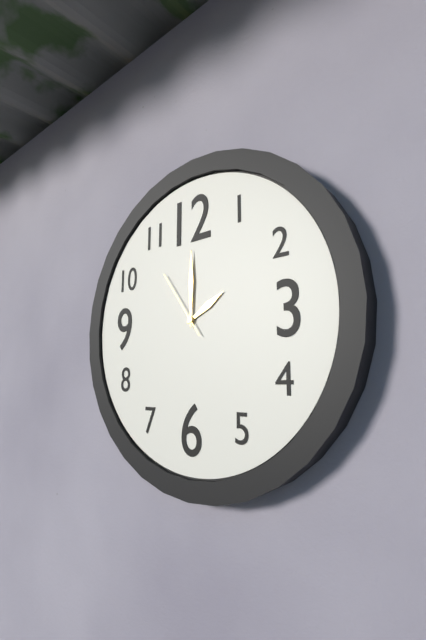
**2:00:54**
